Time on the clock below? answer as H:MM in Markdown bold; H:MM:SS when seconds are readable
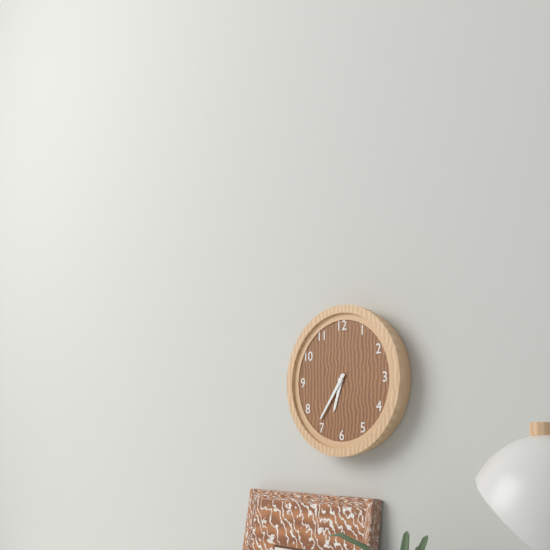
**6:36**
